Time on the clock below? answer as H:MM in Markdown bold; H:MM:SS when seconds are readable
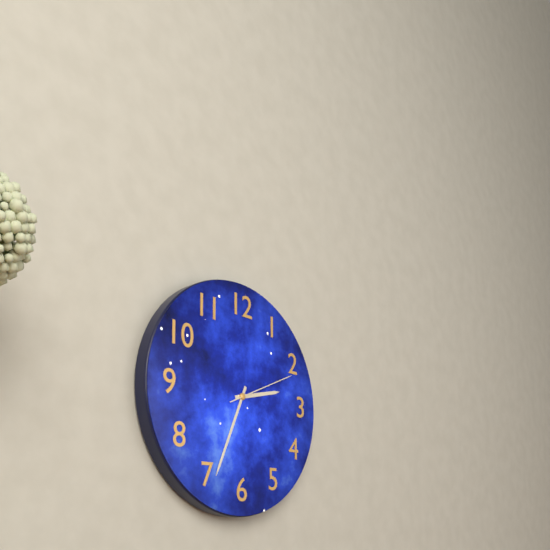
**2:34:11**
